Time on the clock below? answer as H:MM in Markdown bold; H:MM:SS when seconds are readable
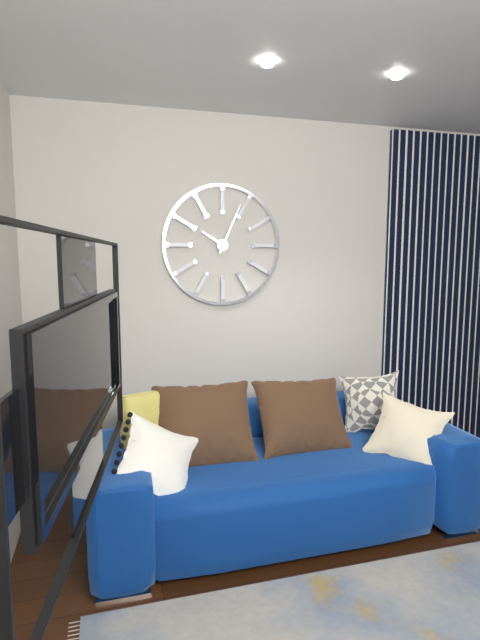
**10:04**
